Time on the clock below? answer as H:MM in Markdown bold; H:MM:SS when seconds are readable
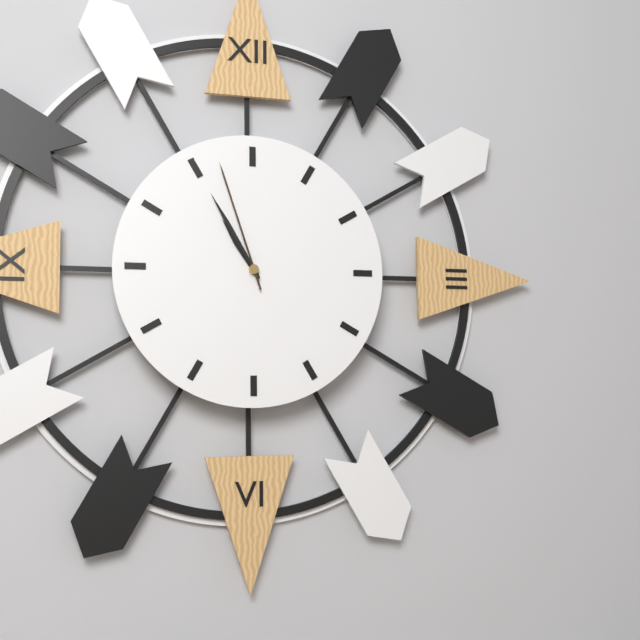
**10:55:57**
